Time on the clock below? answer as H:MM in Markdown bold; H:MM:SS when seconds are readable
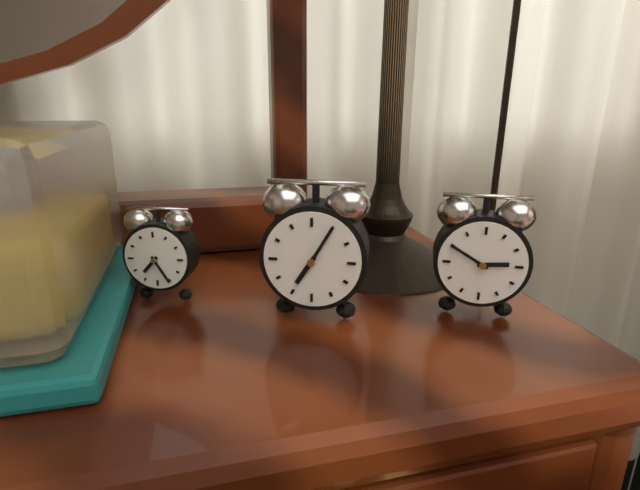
**7:05**
